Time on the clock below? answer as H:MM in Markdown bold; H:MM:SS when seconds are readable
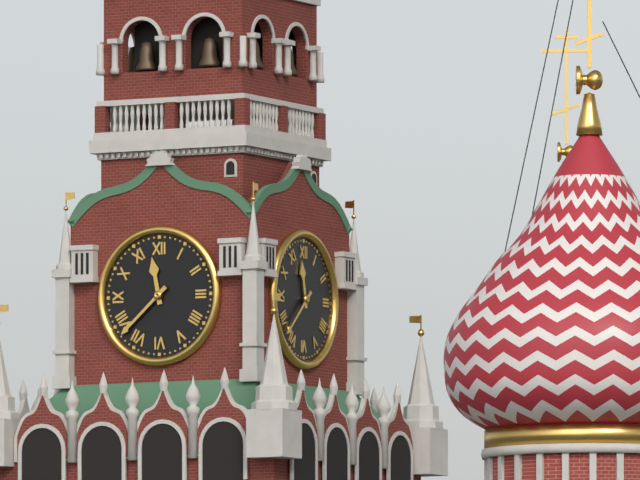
**11:38**
